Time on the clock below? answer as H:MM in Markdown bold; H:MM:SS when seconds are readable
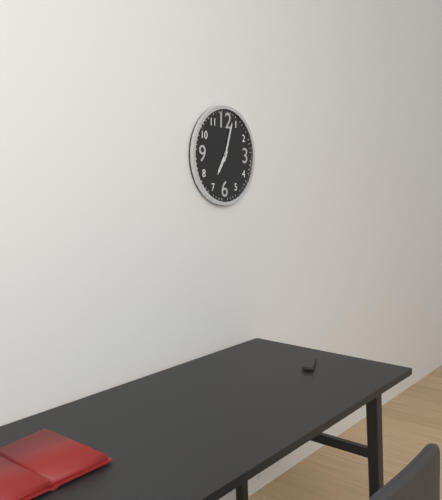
**7:03**
